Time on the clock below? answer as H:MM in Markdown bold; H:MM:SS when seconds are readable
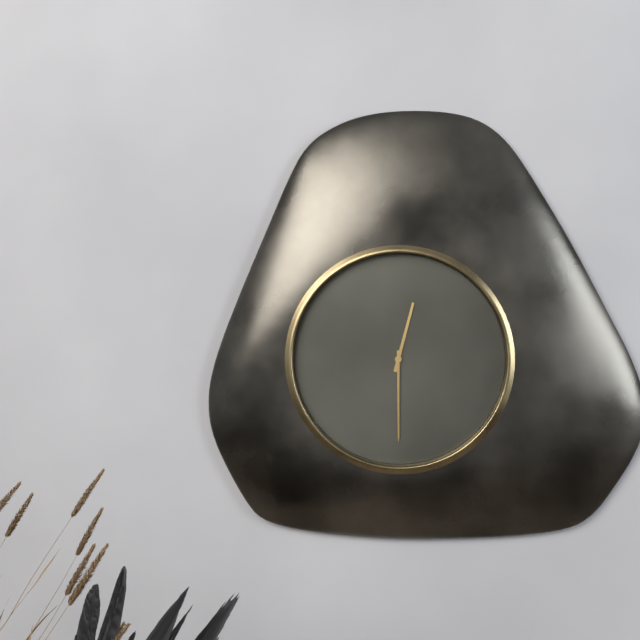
**12:30**
